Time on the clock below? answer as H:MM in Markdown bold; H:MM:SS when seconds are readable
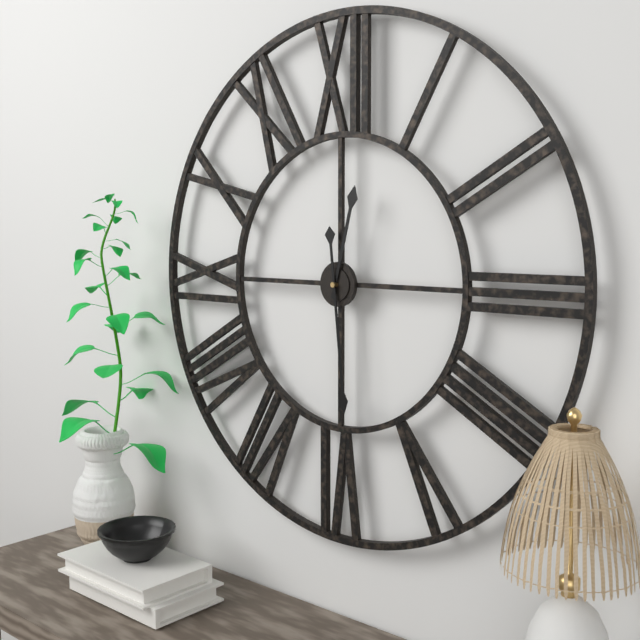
**12:29**
